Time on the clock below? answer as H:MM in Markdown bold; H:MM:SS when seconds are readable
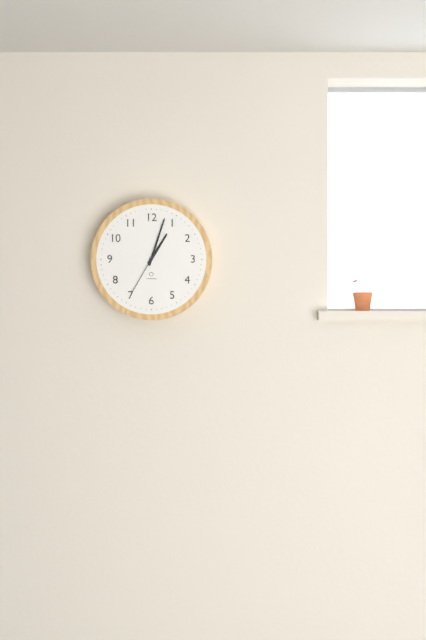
**1:03:35**
